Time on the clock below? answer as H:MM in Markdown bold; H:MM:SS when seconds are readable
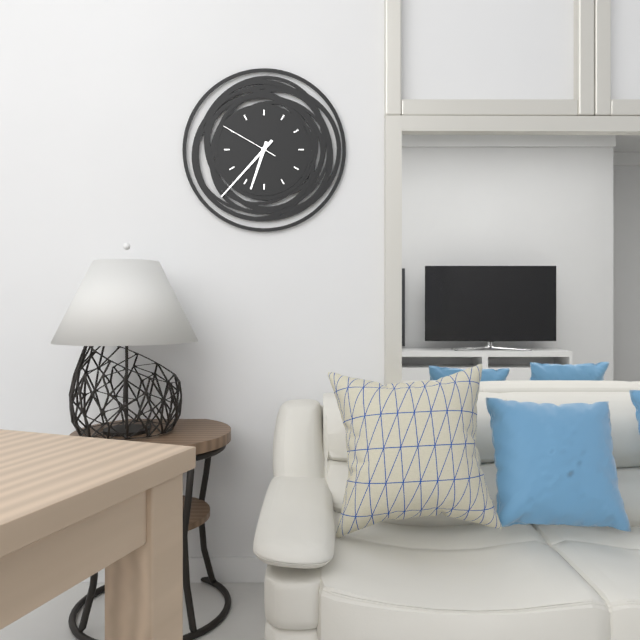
**6:37:50**
